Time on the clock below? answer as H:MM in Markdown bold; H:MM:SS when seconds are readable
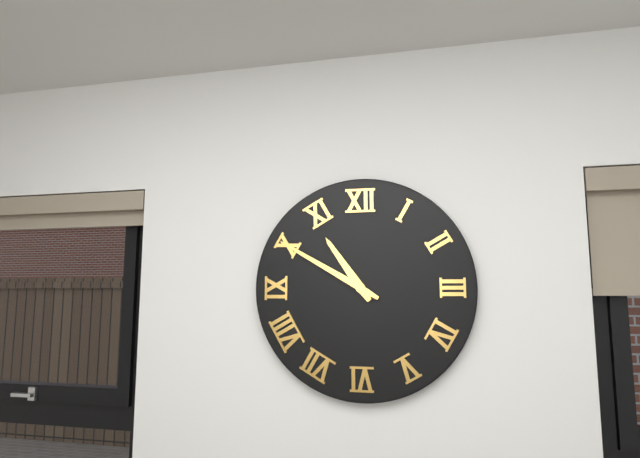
**10:50**
